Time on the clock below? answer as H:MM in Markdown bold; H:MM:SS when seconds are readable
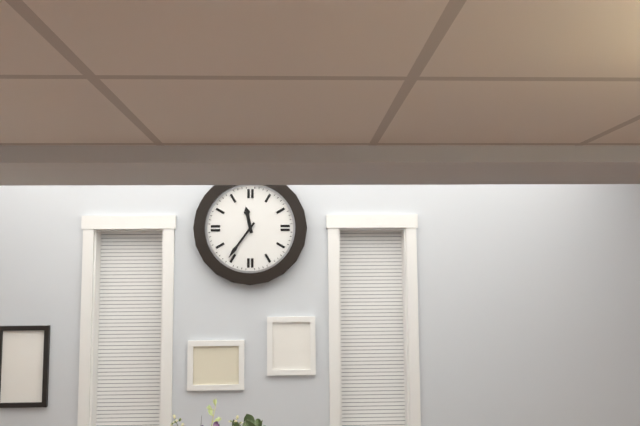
**11:36**
